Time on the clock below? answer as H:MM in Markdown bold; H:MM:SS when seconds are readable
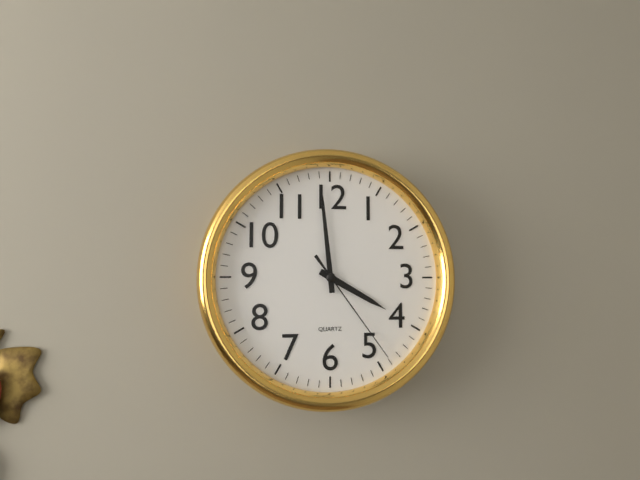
**3:59:24**
